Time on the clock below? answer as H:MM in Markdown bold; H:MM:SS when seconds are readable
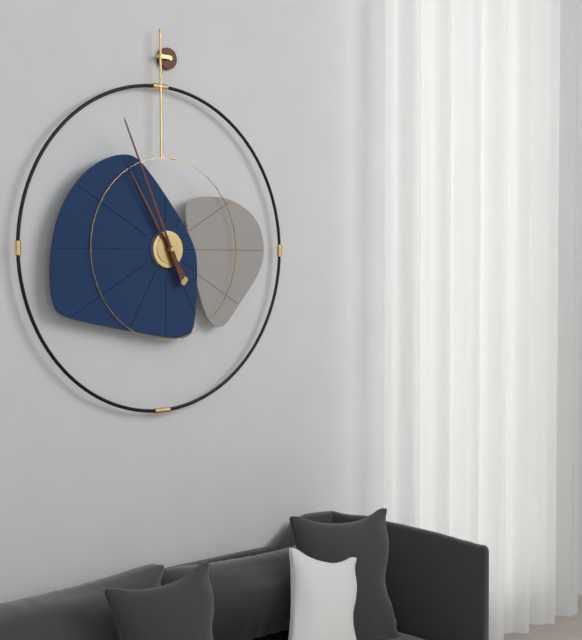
**10:56**
